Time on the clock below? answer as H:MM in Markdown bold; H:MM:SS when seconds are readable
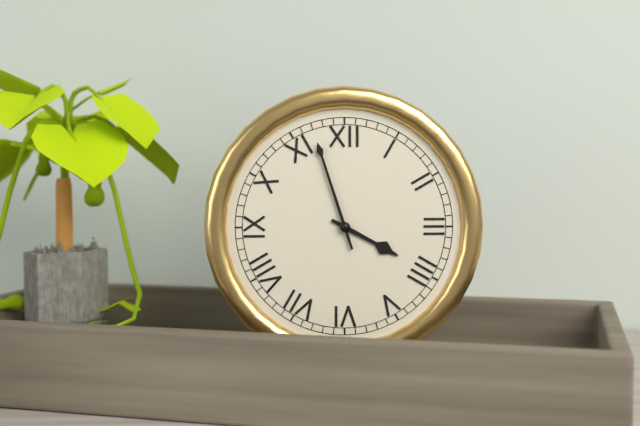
**3:57**
